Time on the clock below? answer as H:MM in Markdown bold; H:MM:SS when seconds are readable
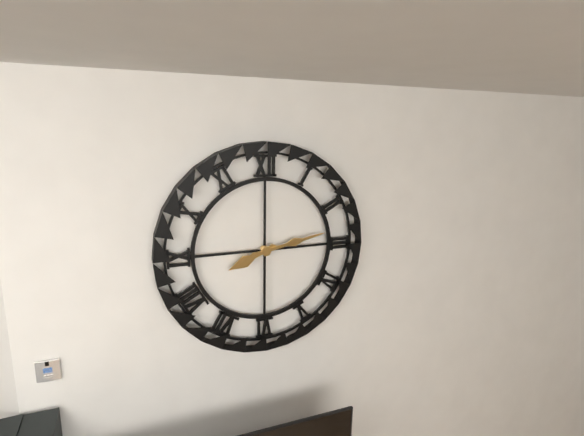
**8:13**
